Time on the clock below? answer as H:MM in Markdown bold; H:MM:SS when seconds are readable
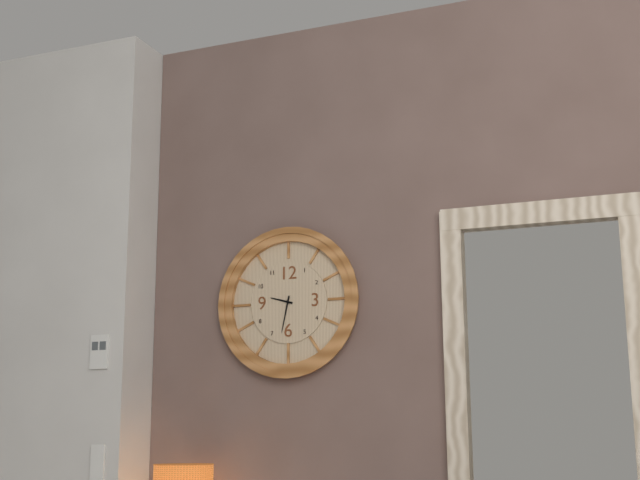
**9:32**
